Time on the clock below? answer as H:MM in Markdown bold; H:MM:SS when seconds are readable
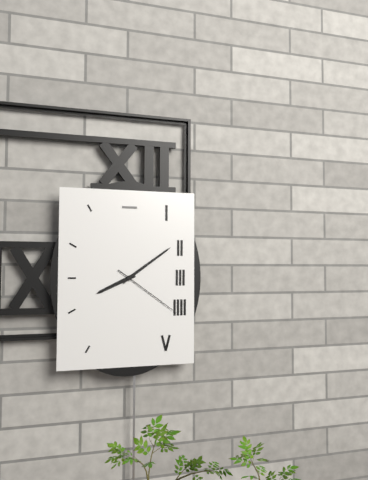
**8:09:21**
